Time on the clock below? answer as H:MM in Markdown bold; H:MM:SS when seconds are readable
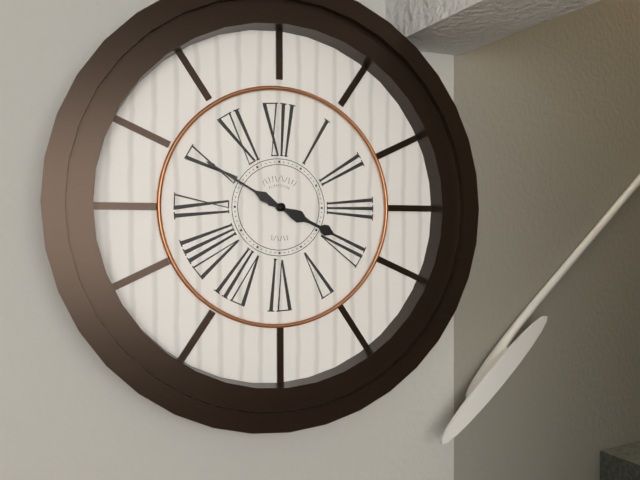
**3:50**
